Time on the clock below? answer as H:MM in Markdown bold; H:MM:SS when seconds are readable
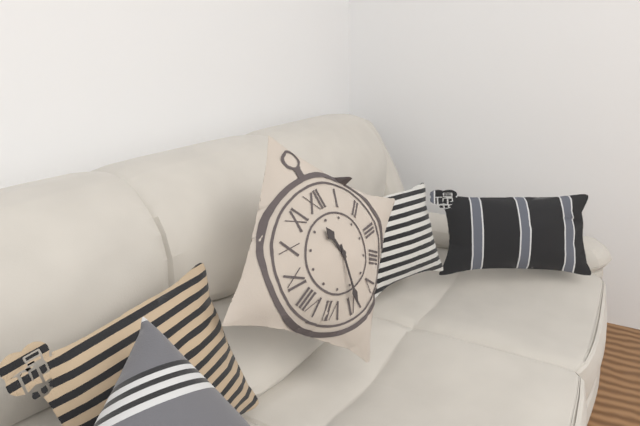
**11:31**
